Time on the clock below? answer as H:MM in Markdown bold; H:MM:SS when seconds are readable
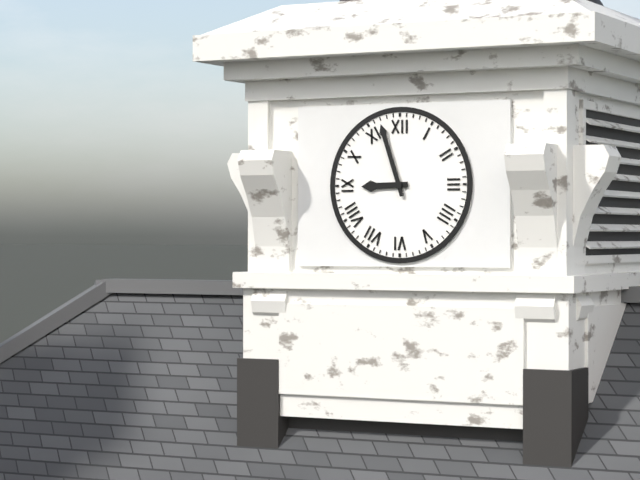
**8:57**
